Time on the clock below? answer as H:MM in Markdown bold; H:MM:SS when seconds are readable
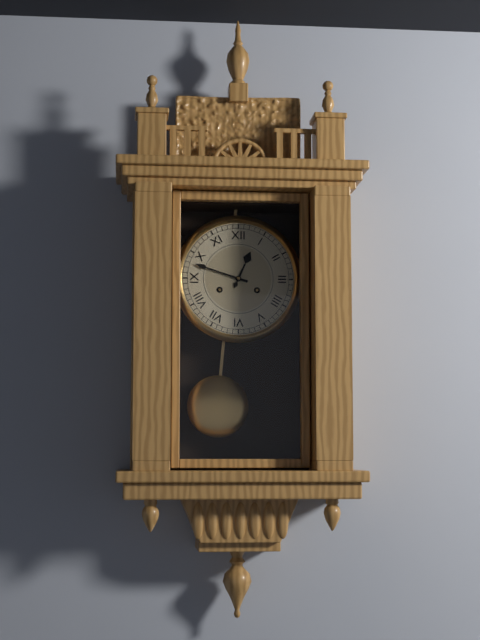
**12:48**
